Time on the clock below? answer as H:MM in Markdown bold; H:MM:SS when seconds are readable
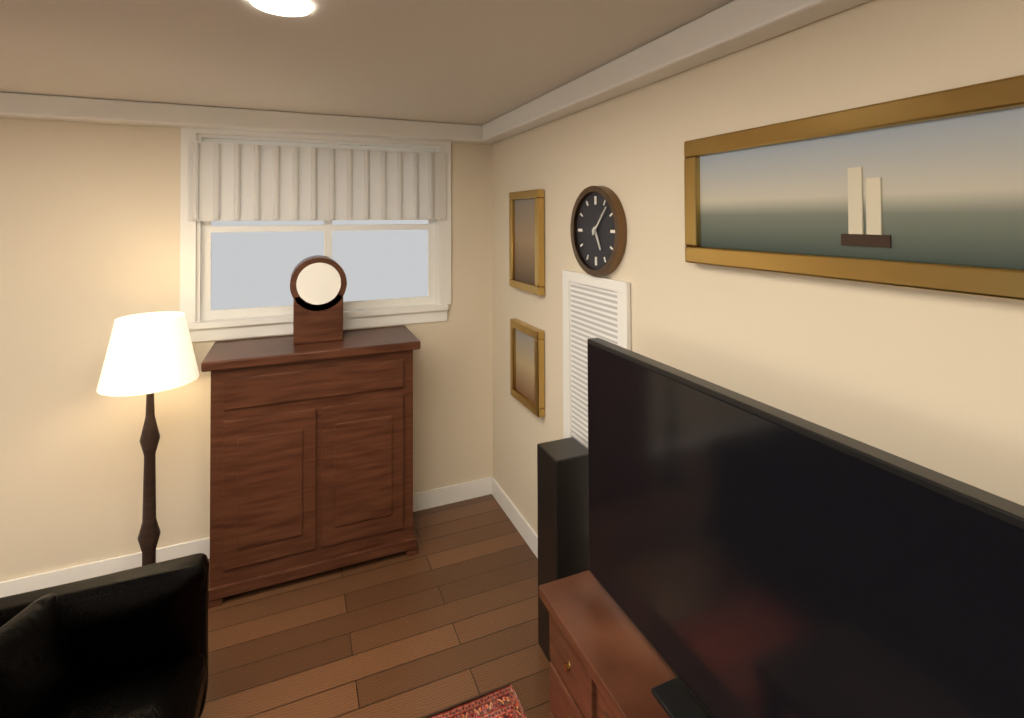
**5:07**
